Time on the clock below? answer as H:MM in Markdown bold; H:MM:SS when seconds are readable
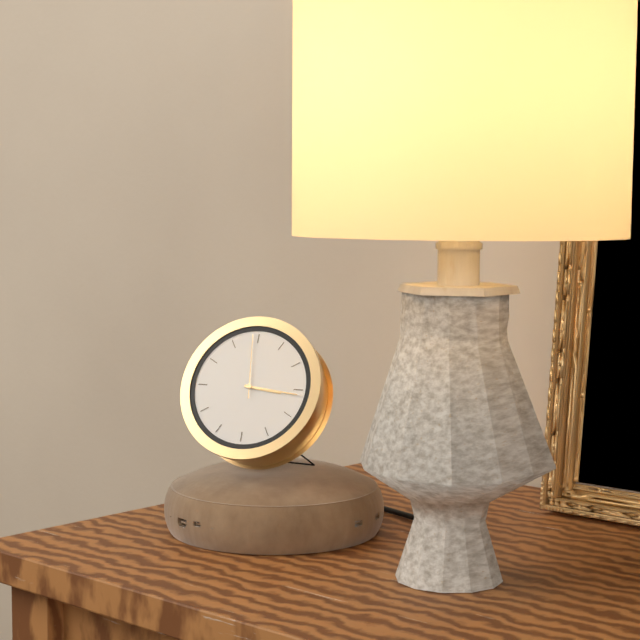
**3:16:59**
